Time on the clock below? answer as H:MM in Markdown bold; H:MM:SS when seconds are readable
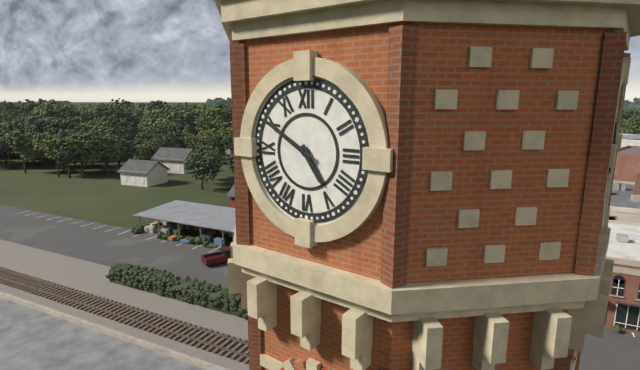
**4:50**
